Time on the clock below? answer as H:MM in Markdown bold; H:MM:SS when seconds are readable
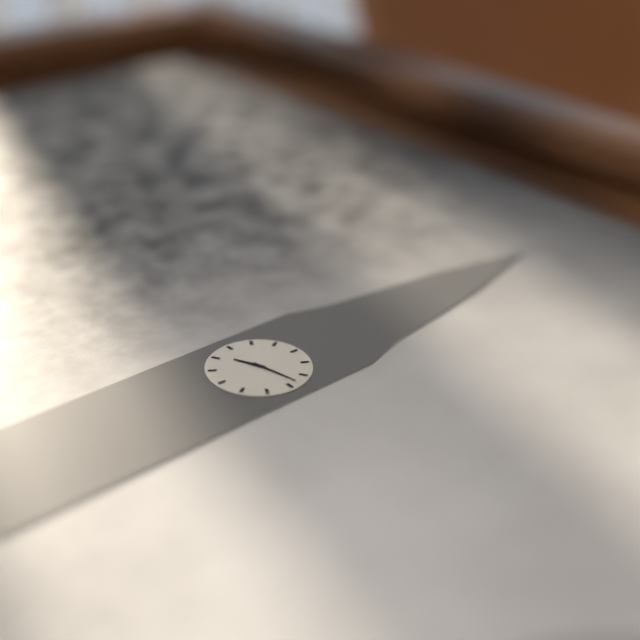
**8:13**
